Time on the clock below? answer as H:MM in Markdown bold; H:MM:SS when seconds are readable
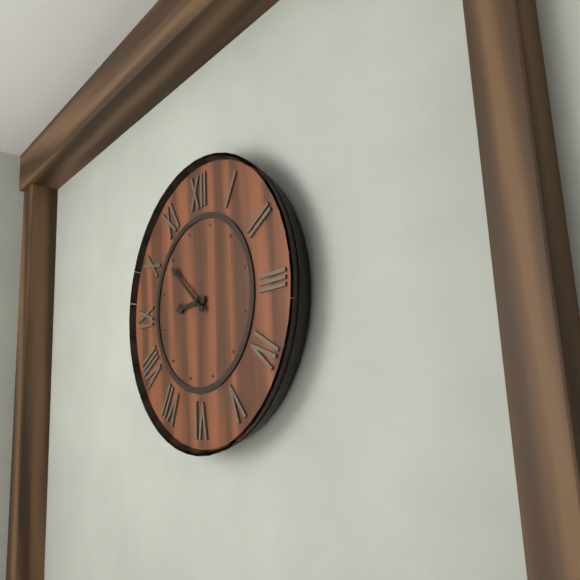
**8:52**
